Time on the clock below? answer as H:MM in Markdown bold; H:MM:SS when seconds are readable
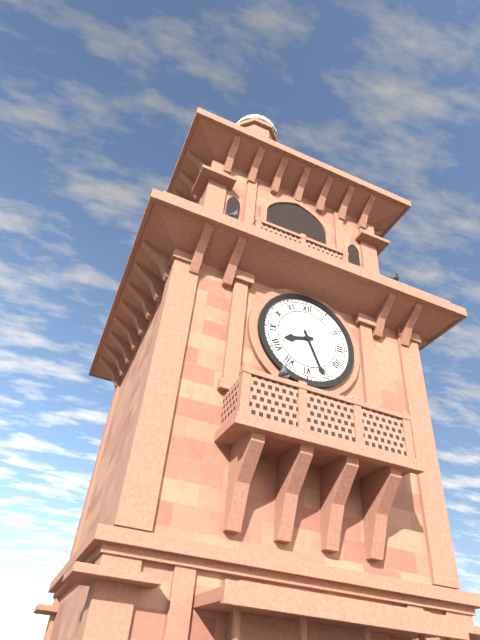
**8:26**
